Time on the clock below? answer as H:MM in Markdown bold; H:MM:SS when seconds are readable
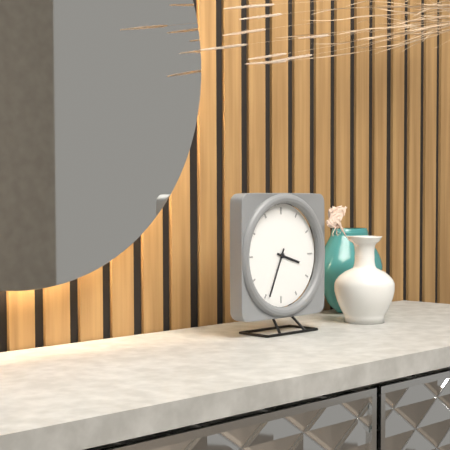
**3:34**
